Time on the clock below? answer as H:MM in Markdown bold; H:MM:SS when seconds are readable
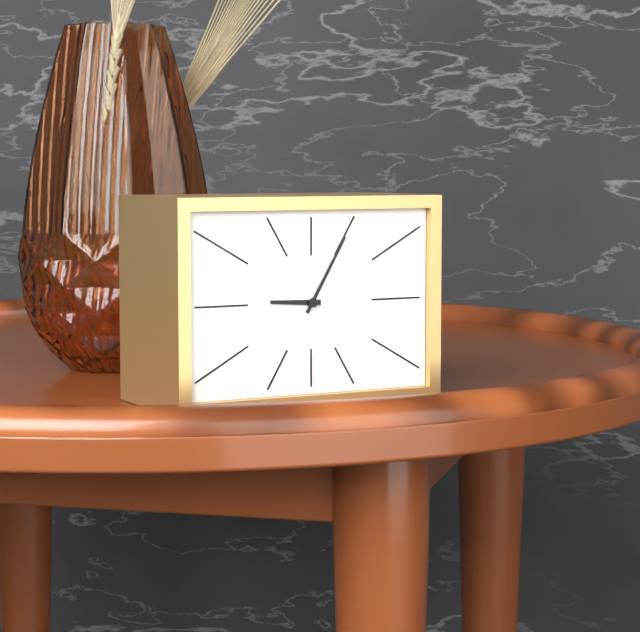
**9:05**
